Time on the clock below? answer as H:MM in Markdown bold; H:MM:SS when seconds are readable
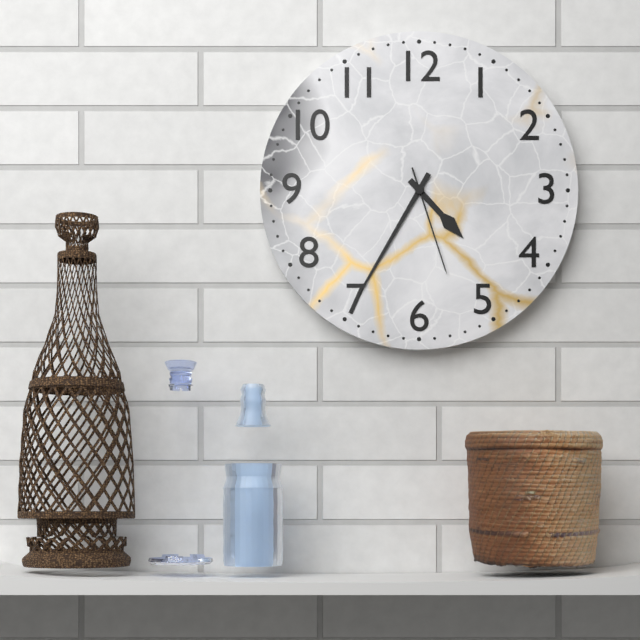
**4:35:27**
